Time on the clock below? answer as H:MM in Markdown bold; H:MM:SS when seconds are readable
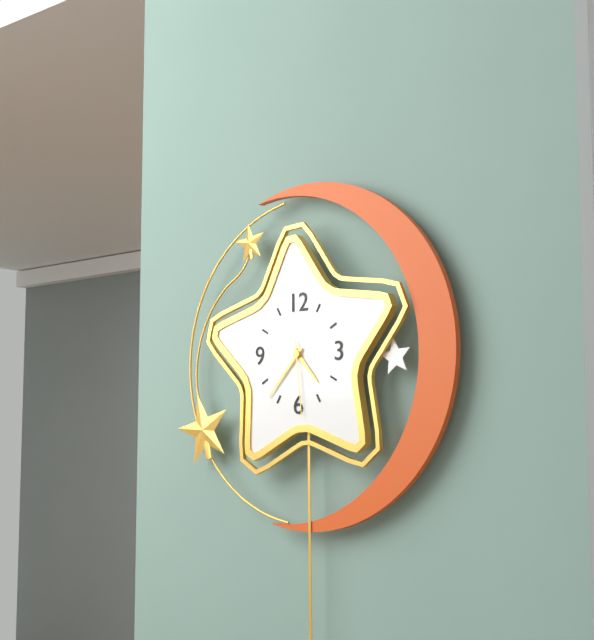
**4:37:29**
